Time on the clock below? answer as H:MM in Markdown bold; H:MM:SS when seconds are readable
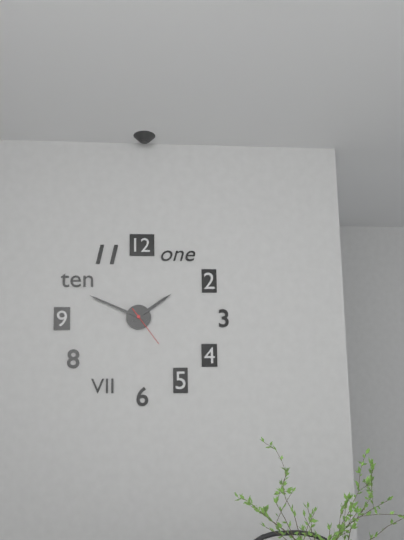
**1:49**
